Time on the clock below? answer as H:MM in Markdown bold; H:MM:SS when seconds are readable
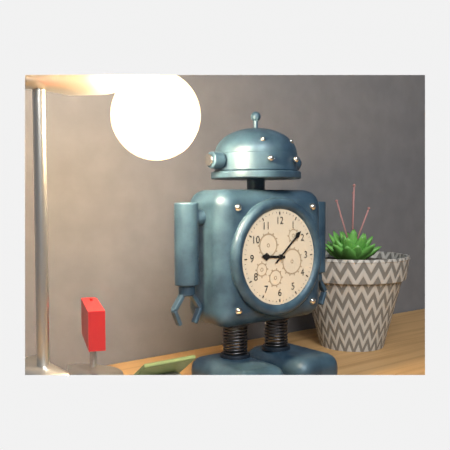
**9:08**
